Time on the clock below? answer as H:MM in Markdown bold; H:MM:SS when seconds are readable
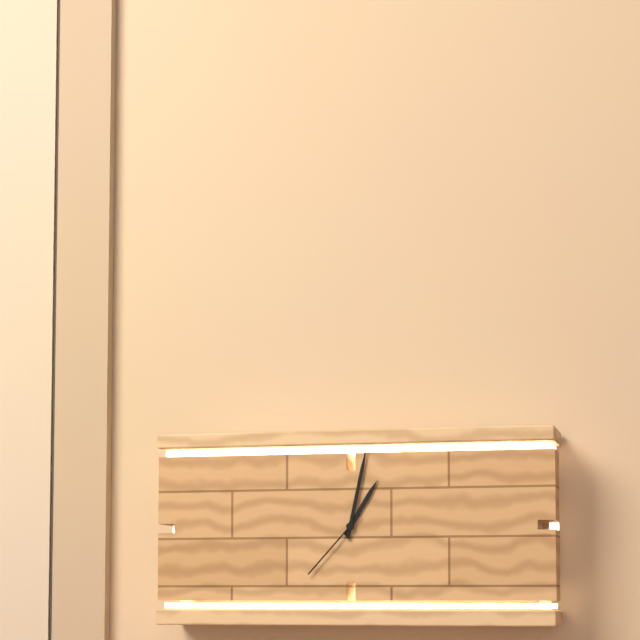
**1:02:37**
